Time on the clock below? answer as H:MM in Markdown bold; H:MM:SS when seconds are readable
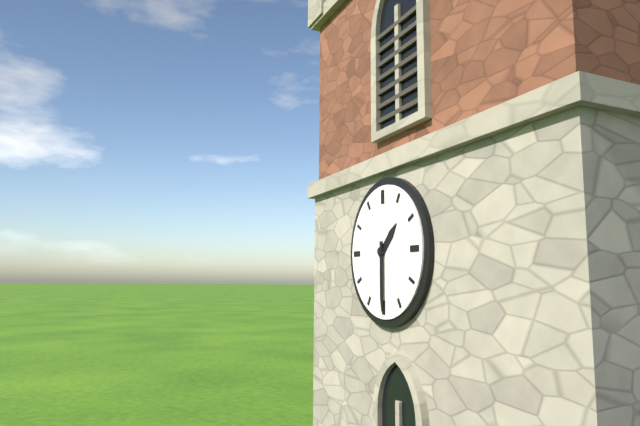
**1:30**
